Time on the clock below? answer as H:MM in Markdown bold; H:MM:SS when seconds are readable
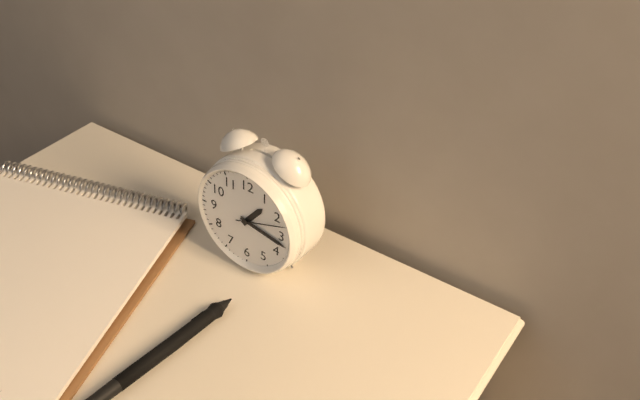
**1:17:12**
